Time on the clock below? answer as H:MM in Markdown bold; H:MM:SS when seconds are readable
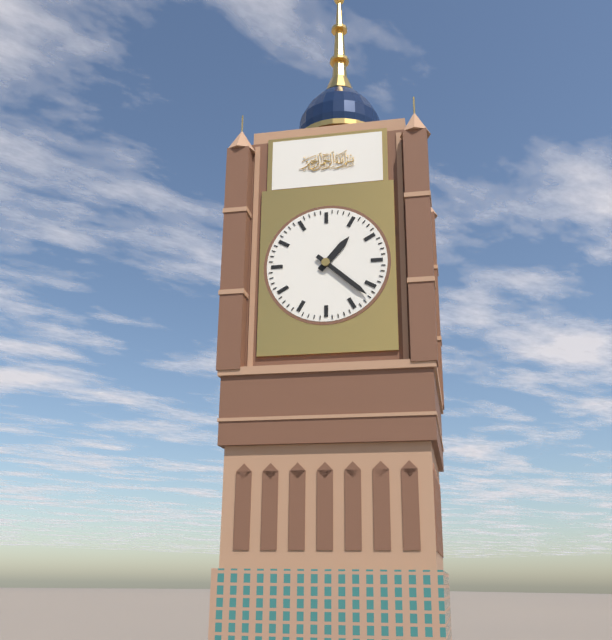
**1:22**
